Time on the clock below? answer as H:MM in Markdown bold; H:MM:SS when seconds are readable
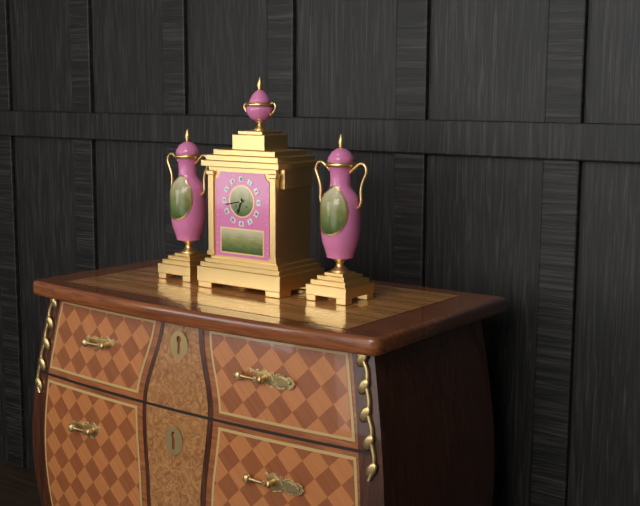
**6:43**
